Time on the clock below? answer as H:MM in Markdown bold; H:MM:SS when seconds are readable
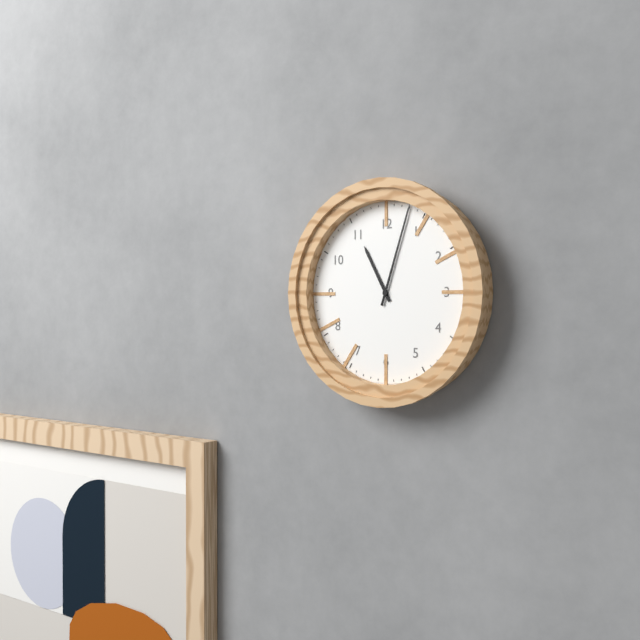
**11:03**
